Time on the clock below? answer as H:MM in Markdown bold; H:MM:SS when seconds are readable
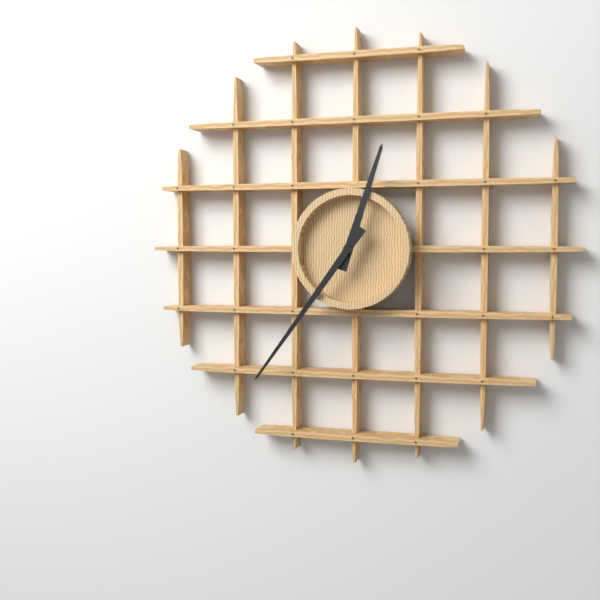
**12:36**
